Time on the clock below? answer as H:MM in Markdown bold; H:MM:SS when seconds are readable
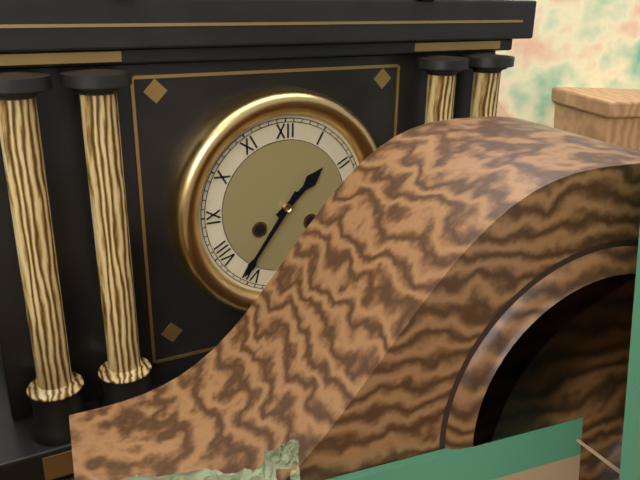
**1:36**
